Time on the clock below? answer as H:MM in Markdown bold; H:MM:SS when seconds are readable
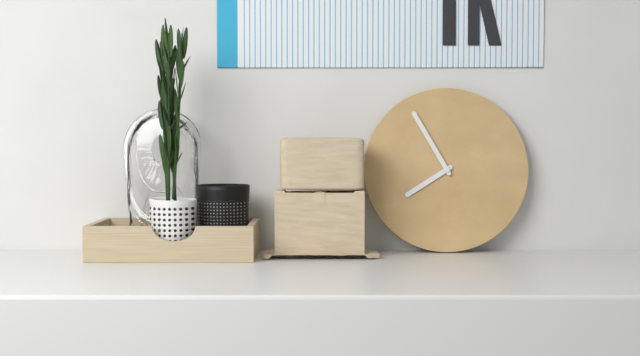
**7:55**
